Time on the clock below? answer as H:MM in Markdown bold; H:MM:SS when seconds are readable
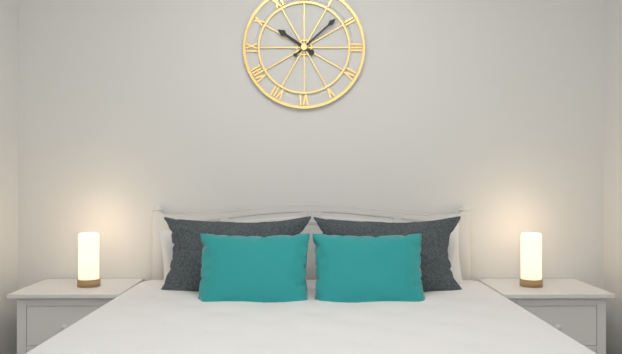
**10:08**
